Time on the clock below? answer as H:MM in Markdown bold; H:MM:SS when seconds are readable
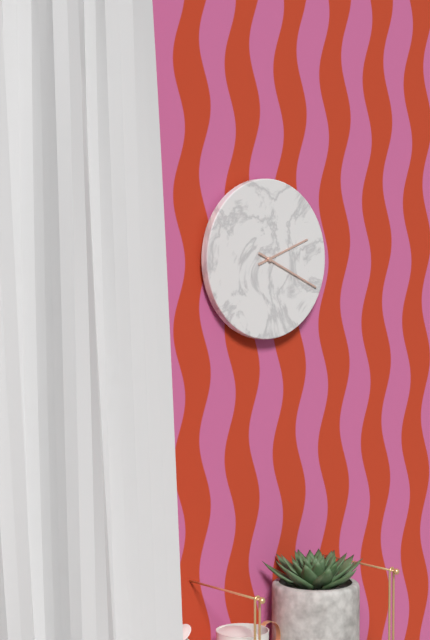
**2:19**
